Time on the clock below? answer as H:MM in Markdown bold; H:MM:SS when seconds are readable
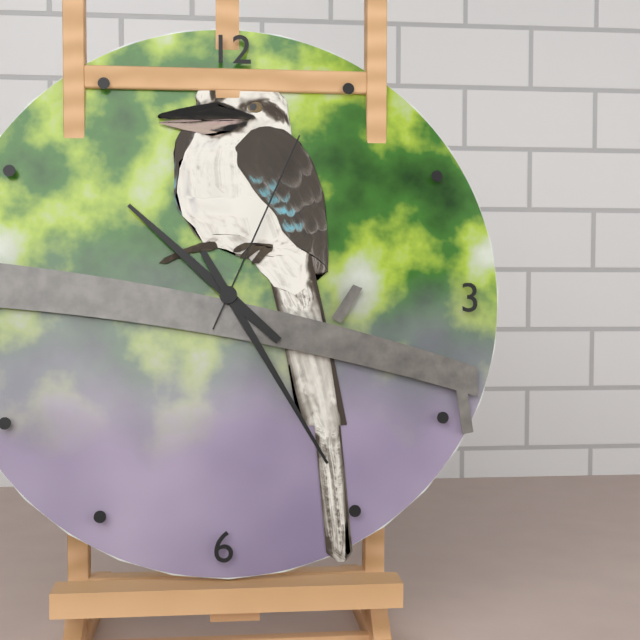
**10:25:04**
